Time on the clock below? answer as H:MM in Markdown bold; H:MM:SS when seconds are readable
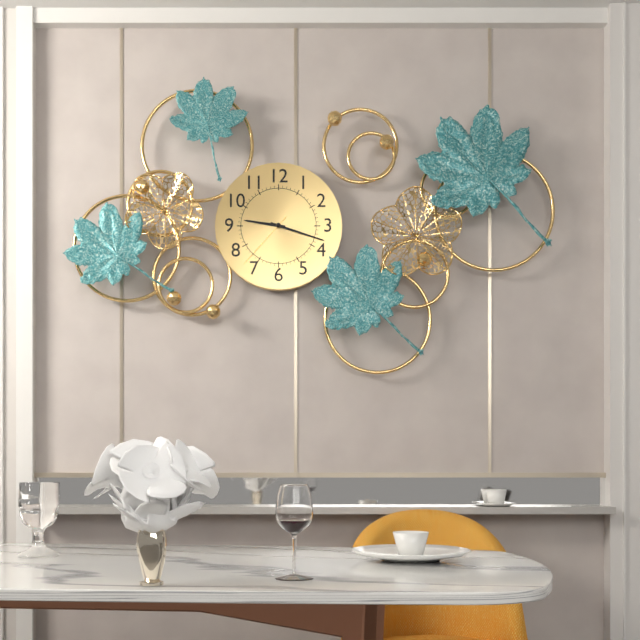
**9:18:37**
